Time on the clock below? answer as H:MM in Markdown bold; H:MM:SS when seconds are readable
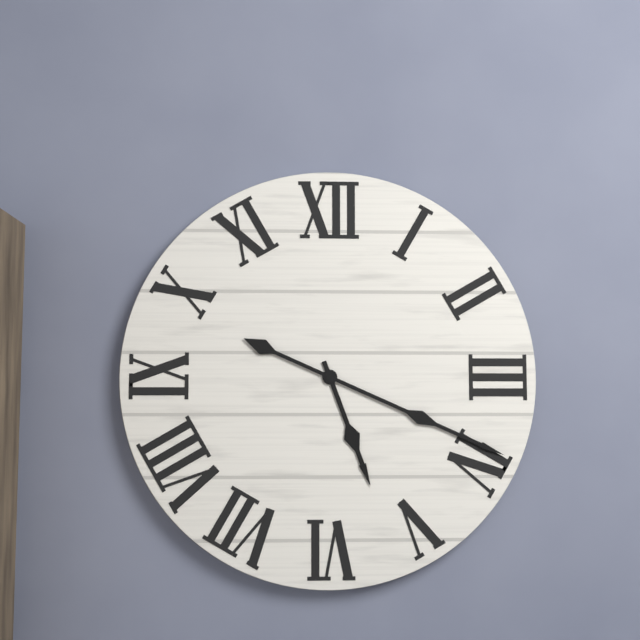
**5:19**
